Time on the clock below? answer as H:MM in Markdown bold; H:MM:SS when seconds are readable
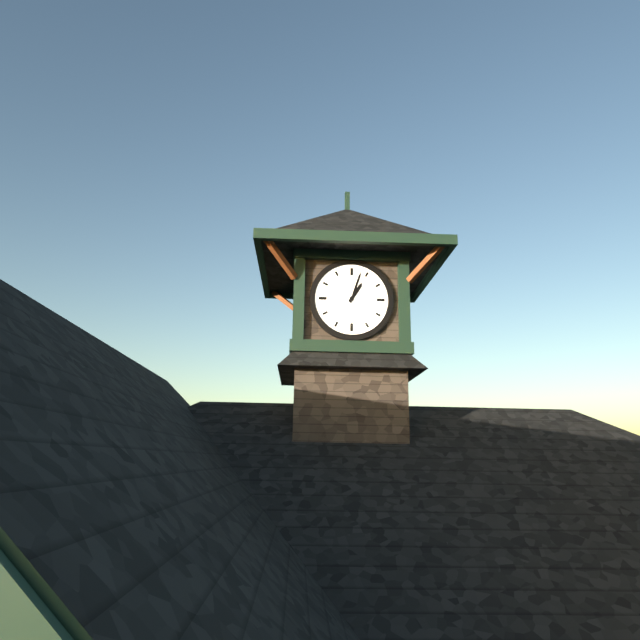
**1:03**
